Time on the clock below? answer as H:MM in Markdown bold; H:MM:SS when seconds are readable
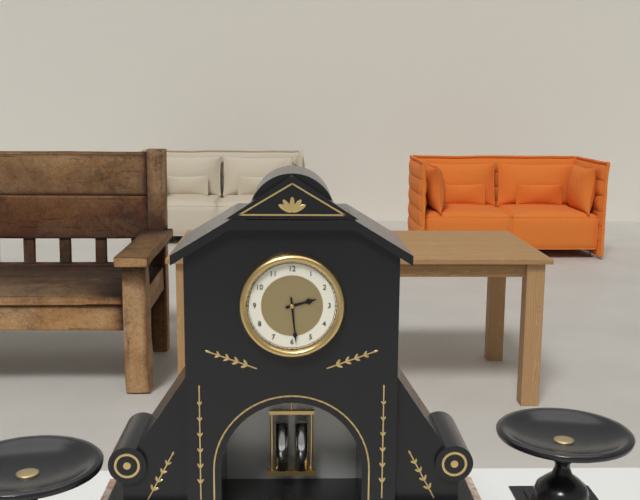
**2:29**
